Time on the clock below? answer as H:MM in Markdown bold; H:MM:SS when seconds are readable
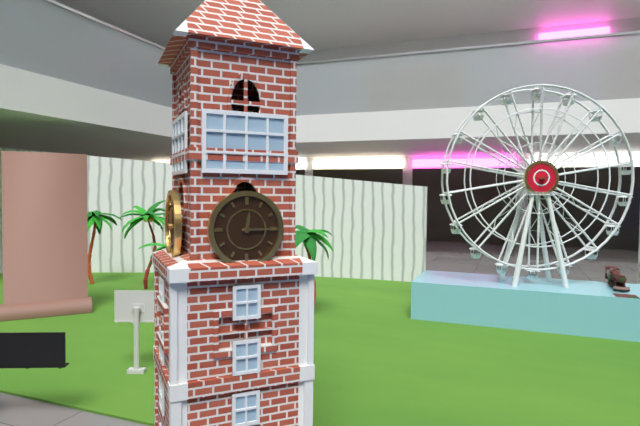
**12:15**
